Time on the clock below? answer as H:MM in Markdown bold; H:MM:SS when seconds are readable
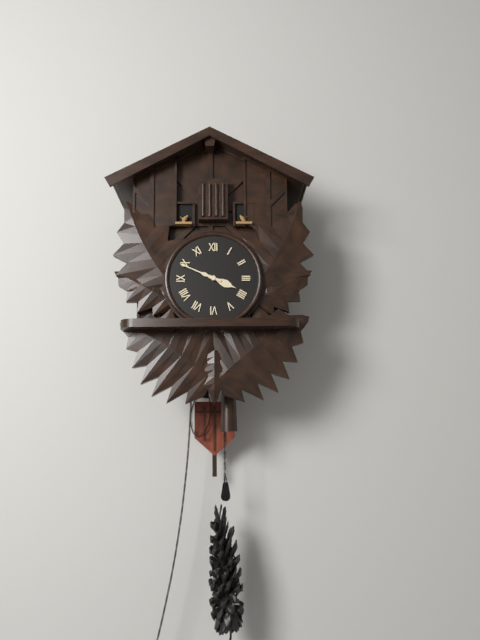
**3:49**
